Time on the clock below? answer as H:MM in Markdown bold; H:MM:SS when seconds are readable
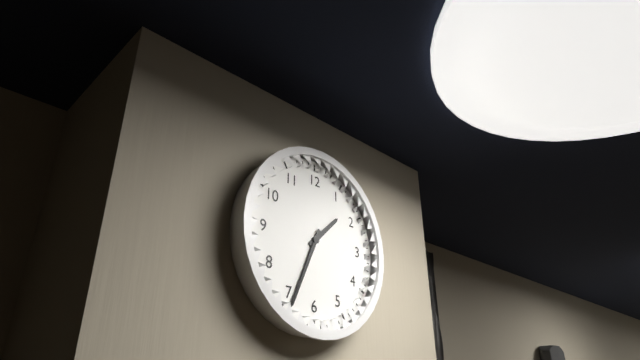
**1:34**
